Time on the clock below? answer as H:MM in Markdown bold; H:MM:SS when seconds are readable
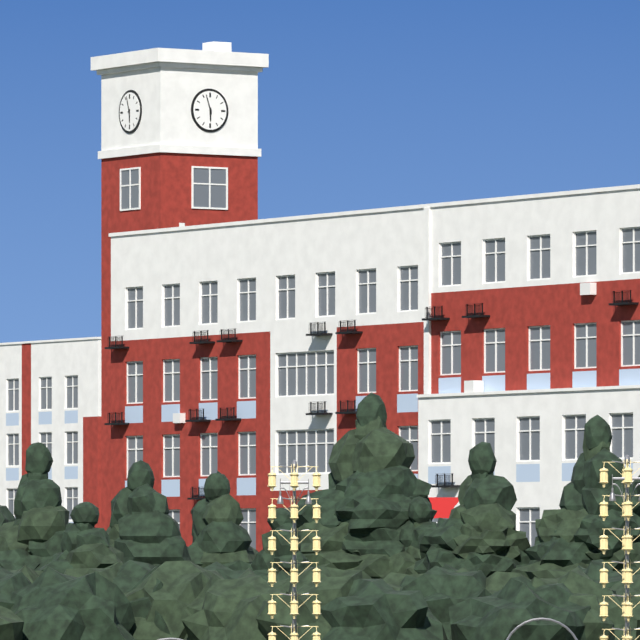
**5:57**
